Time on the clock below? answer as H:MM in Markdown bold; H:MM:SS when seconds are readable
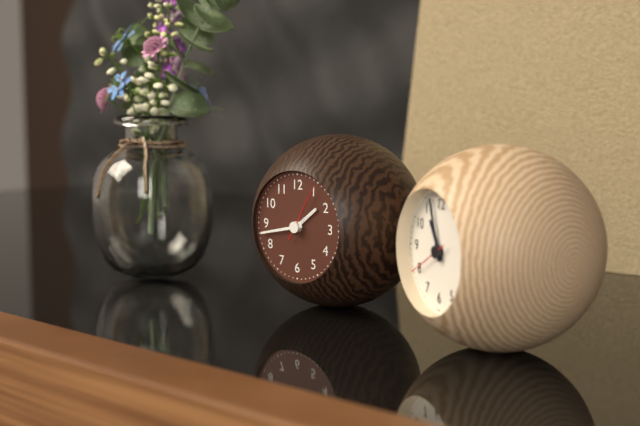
**1:43:05**
